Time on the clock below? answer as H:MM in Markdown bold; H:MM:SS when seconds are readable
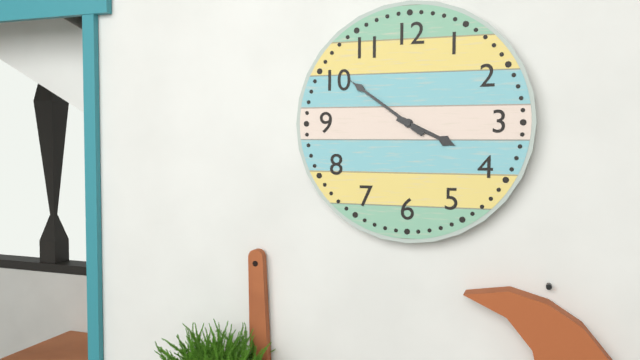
**3:51**
